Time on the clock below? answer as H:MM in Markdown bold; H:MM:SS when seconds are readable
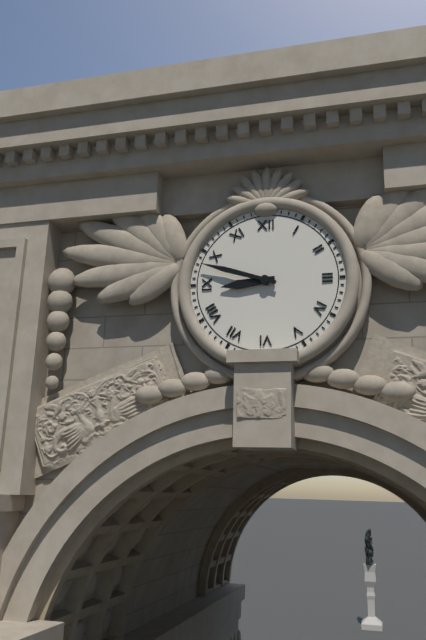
**8:48**
